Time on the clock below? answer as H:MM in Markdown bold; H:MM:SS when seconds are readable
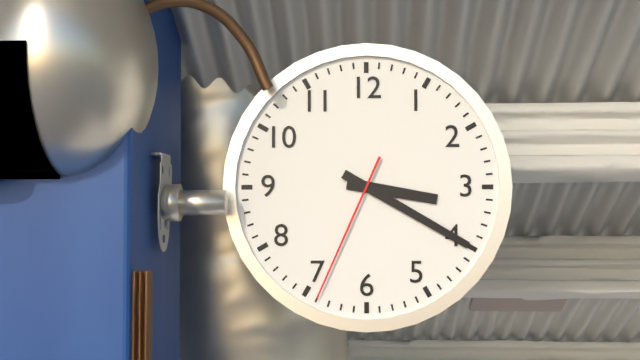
**3:20:34**
